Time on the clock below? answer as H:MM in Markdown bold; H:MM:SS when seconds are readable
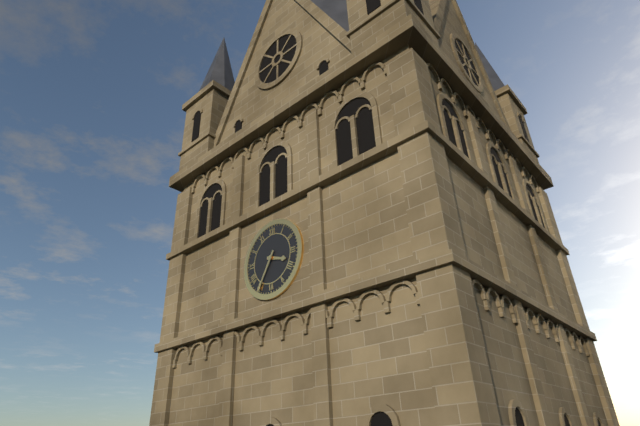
**3:35**
